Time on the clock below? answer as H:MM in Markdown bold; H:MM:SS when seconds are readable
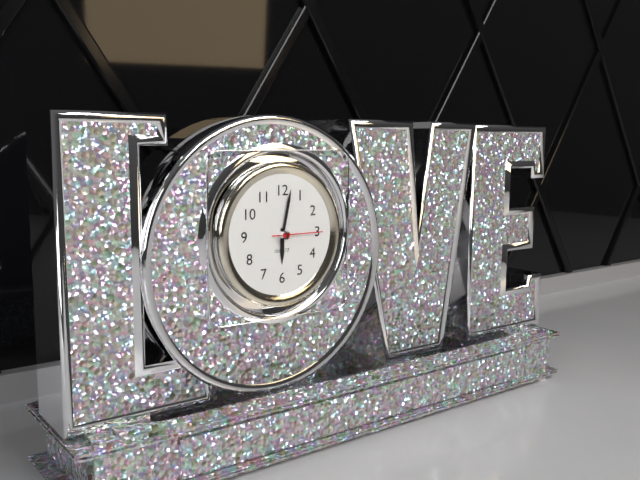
**6:02**
